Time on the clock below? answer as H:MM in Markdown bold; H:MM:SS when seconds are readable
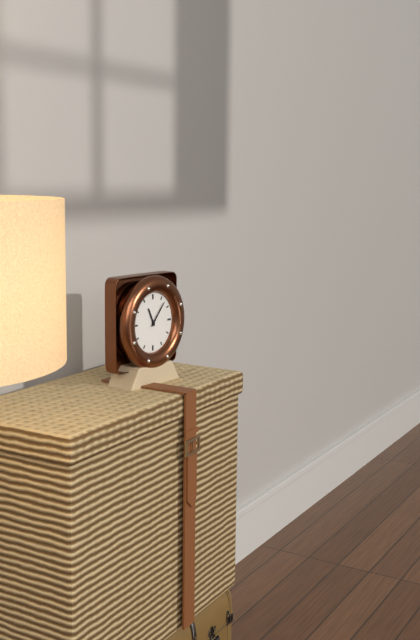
**11:07**
